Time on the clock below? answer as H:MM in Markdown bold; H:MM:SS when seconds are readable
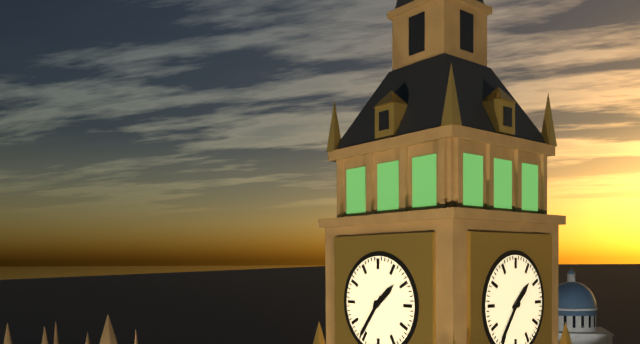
**1:36**
